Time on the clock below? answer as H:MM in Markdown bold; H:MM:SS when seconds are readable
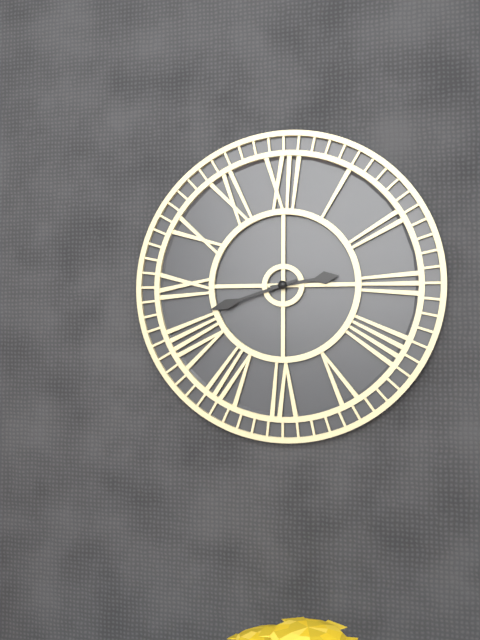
**2:42**
